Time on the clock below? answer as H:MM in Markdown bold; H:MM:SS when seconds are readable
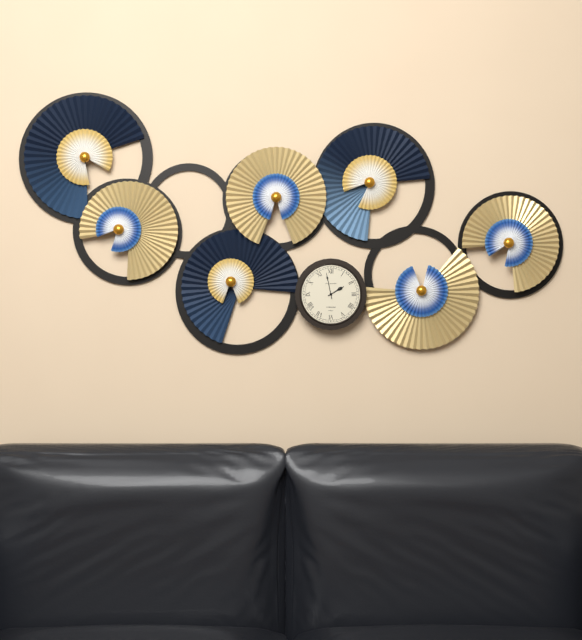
**1:58**
